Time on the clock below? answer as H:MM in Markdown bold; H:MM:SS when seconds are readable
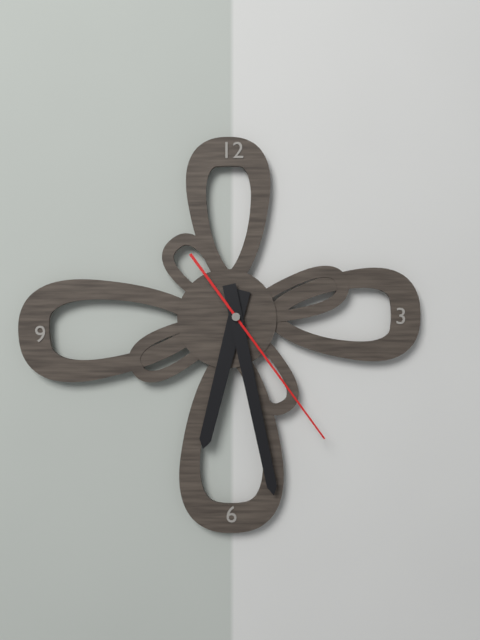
**6:28:24**
